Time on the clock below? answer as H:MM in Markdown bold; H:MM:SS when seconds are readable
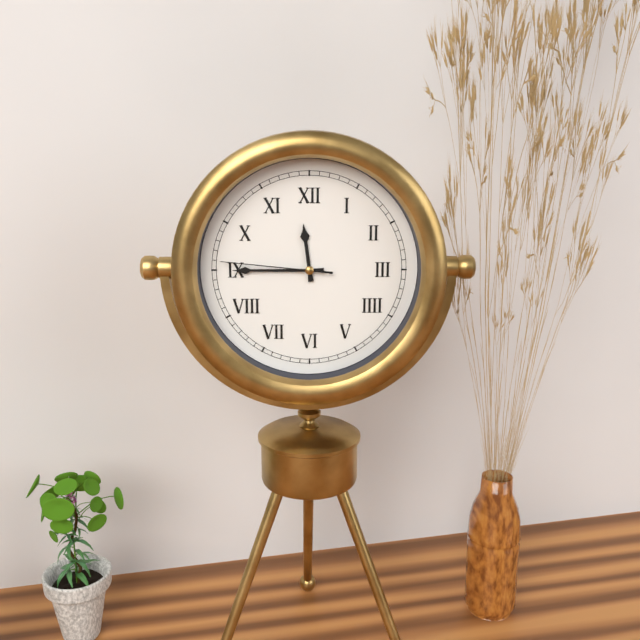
**11:45:46**
